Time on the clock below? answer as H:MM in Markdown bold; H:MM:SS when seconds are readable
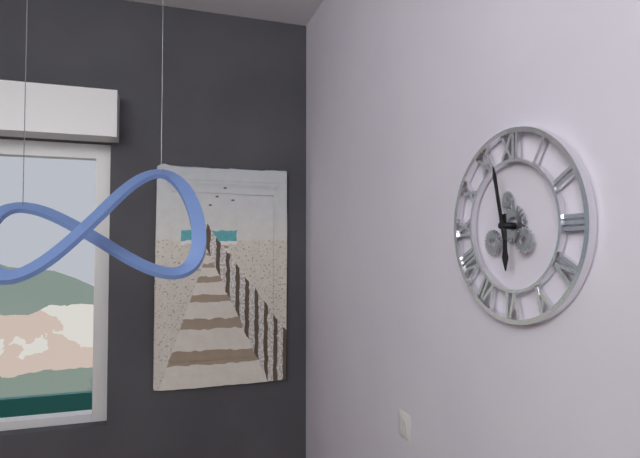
**5:58**
